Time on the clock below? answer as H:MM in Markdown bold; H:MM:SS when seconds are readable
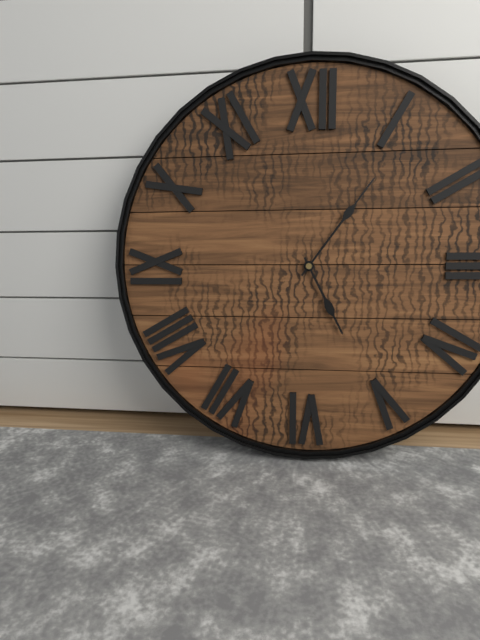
**5:06**
